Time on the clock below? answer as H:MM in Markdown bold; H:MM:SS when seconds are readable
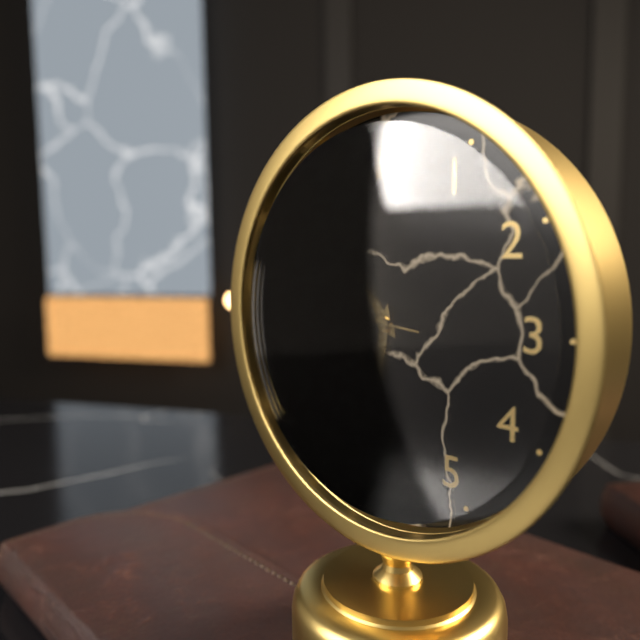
**10:32:46**
